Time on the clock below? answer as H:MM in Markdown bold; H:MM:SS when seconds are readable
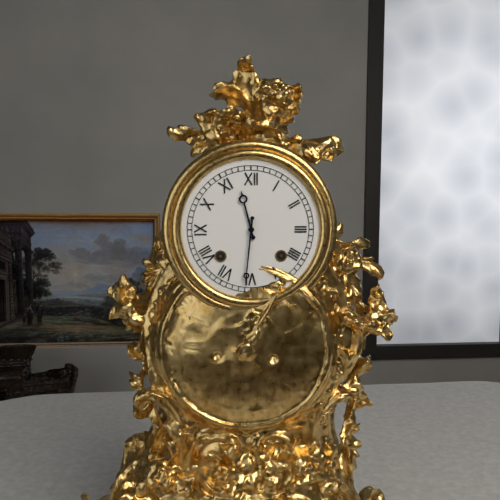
**11:31**
